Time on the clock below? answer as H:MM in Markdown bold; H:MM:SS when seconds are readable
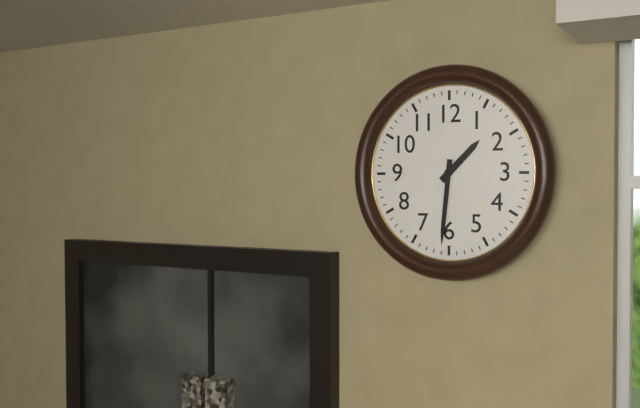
**1:31**
